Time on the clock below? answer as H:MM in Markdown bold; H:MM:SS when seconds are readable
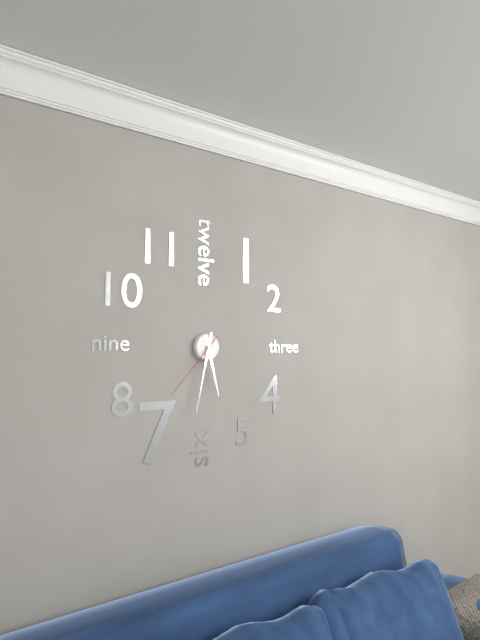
**5:32:37**
